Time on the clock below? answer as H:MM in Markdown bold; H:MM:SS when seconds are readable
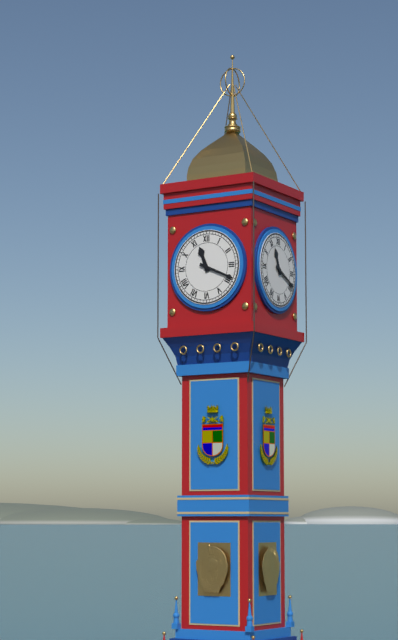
**11:19**
